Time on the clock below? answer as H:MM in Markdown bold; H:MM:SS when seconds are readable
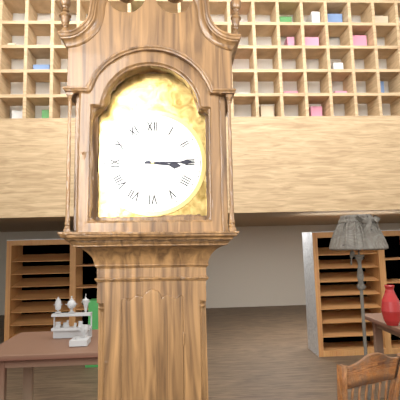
**3:15**
